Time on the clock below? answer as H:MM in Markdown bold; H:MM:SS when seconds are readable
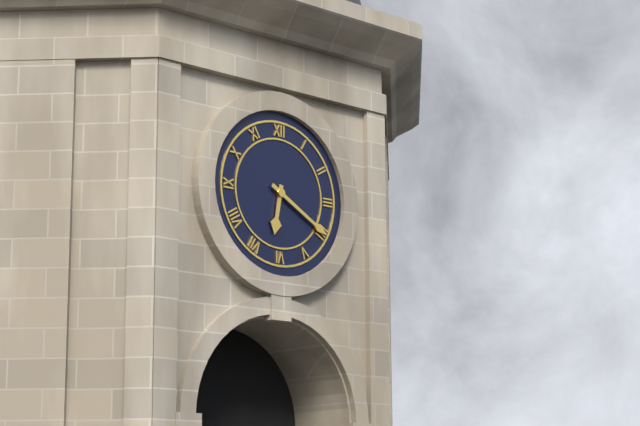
**6:20**
